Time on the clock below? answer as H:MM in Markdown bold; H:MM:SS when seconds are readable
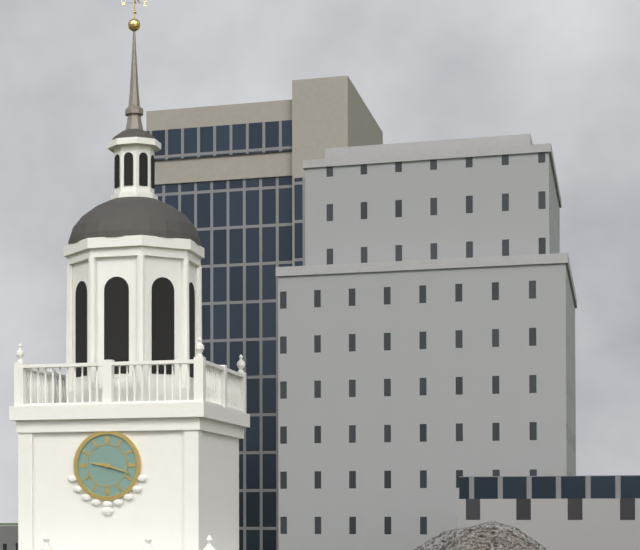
**9:18**
